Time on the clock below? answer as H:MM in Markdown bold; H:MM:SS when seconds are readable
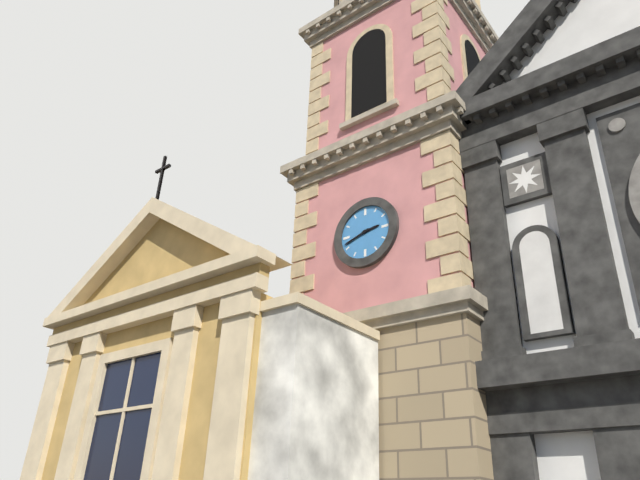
**2:42**
